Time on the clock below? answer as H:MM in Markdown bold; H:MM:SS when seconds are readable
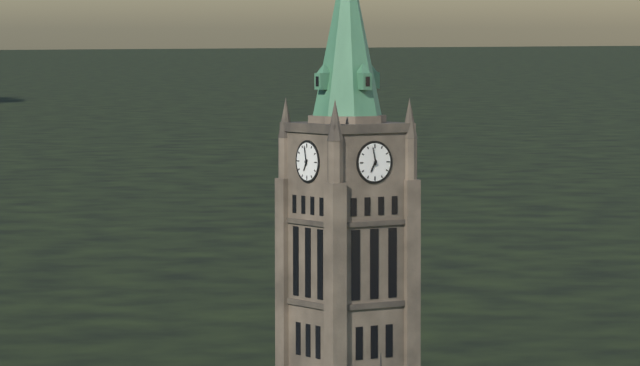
**6:58**
